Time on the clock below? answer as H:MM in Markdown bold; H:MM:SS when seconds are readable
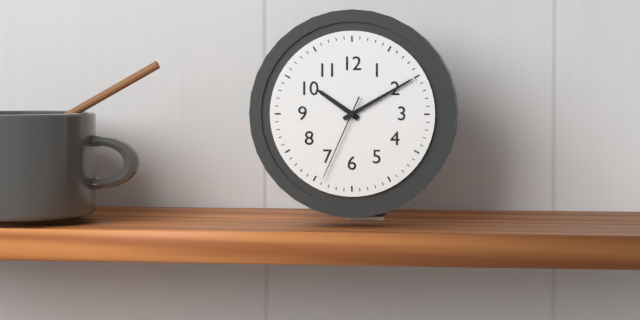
**10:10:34**
